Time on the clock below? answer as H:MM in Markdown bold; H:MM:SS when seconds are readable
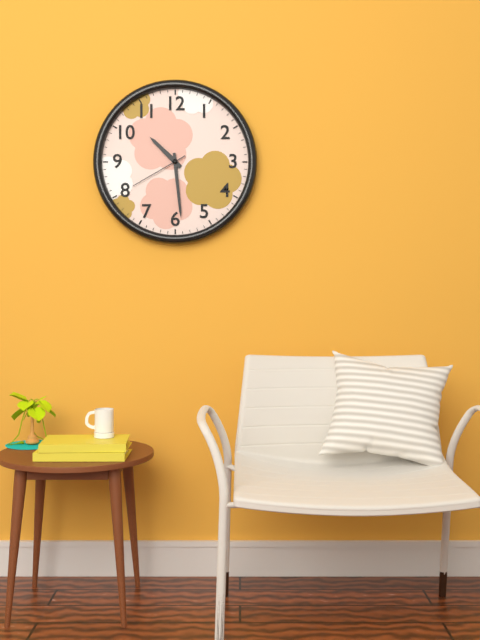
**10:29:40**
